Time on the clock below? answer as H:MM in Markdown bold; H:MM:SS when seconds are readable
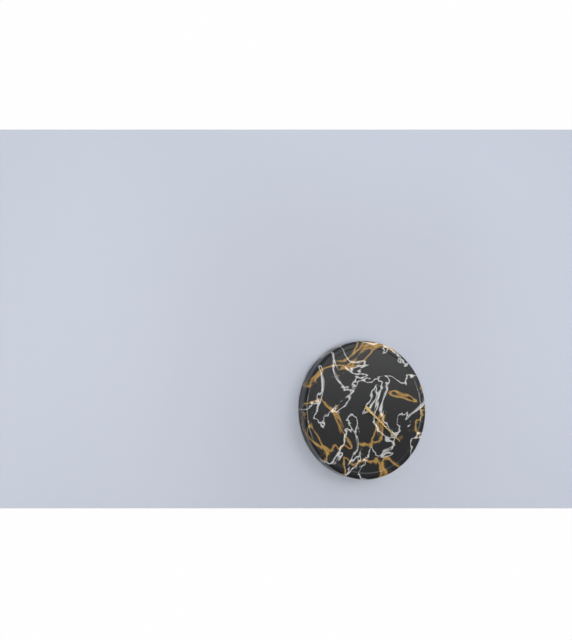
**4:22**
